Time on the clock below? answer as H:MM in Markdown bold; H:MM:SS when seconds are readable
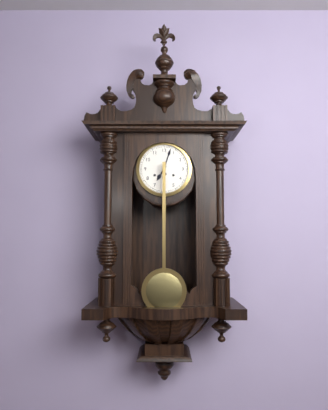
**7:03**
